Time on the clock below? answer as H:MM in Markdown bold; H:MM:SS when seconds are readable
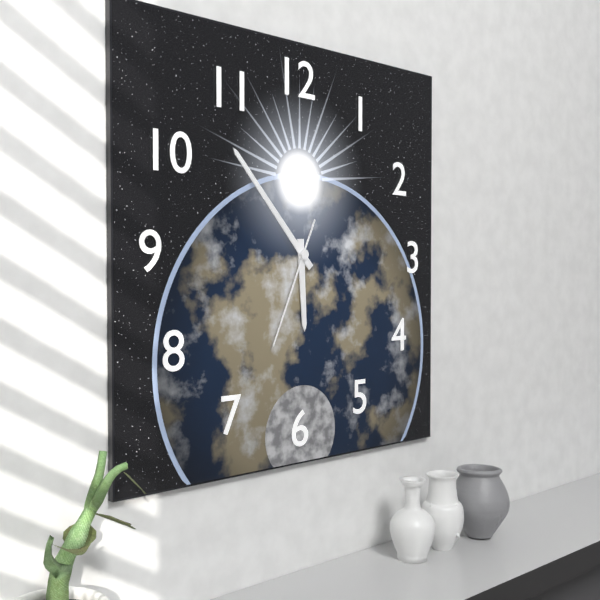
**5:53:34**
